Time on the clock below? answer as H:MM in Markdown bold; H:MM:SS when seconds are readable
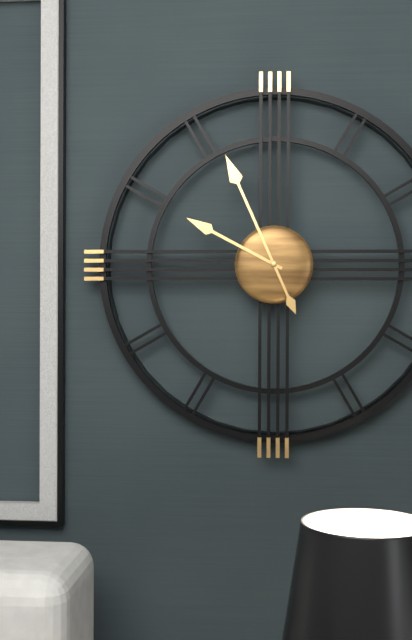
**9:56**
